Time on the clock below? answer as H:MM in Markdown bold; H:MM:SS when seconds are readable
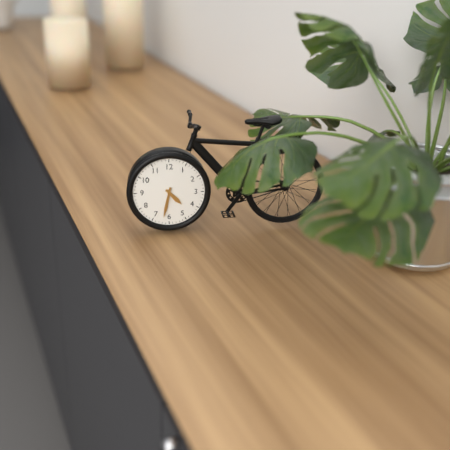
**4:32**
